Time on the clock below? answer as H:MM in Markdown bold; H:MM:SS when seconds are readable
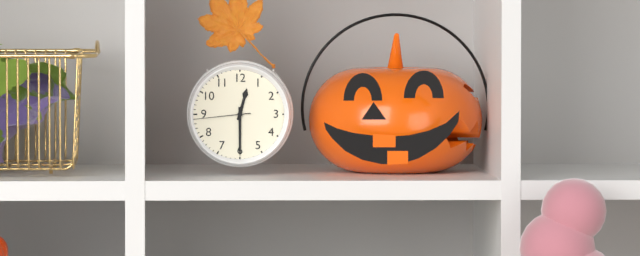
**12:30:44**
